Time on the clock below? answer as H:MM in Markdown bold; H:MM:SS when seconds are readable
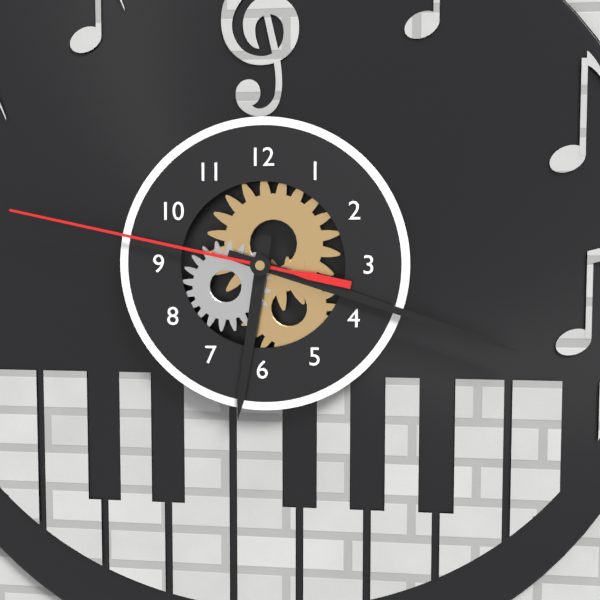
**6:18:47**
